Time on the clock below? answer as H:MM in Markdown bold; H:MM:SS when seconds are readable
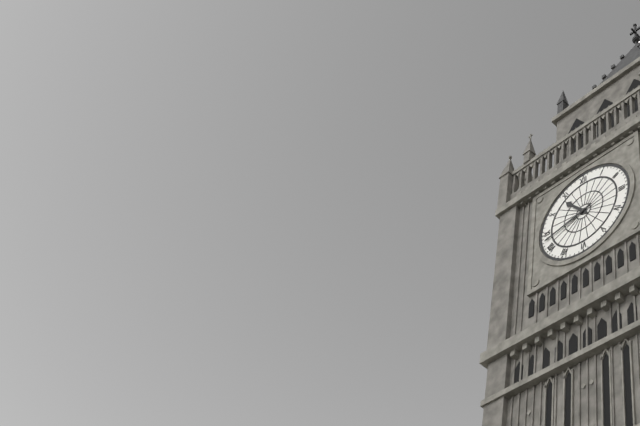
**10:43**
